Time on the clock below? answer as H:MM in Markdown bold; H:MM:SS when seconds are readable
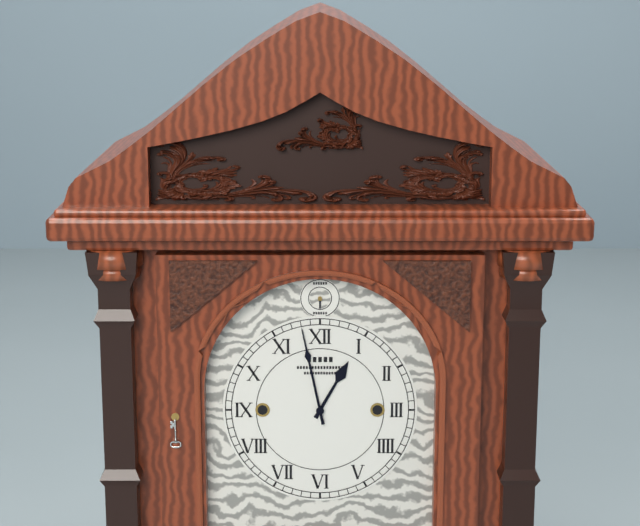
**12:58**
